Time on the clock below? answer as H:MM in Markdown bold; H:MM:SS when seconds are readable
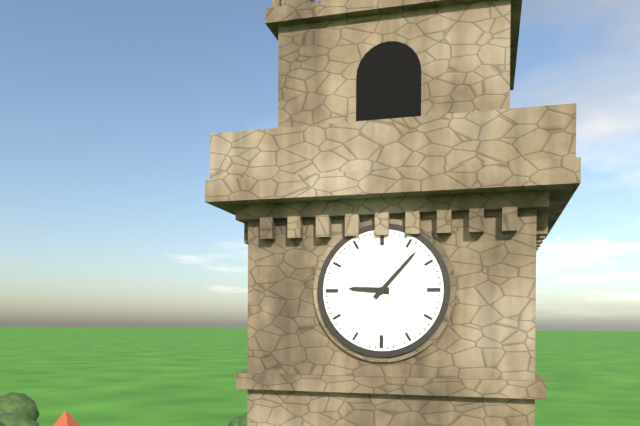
**9:07**
